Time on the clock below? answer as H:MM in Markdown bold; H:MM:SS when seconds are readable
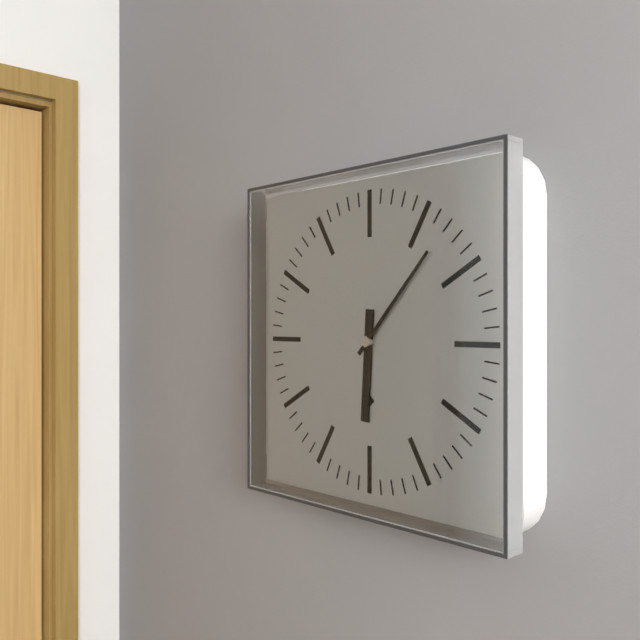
**6:07**
